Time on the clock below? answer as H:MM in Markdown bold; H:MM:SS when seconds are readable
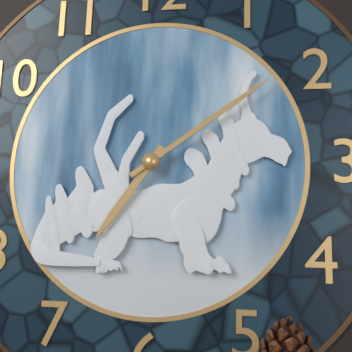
**7:09**
